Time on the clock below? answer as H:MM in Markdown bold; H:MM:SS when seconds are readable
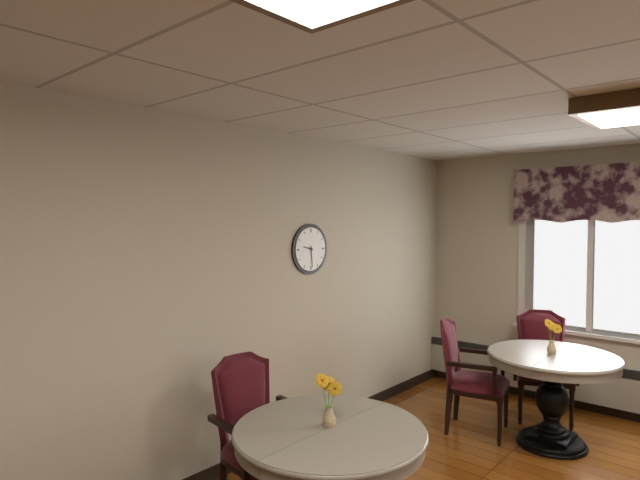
**9:29**
